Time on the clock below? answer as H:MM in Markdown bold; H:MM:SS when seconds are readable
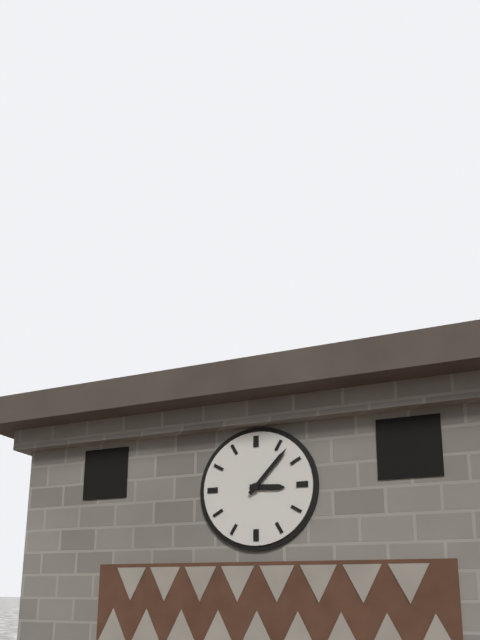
**3:07**
